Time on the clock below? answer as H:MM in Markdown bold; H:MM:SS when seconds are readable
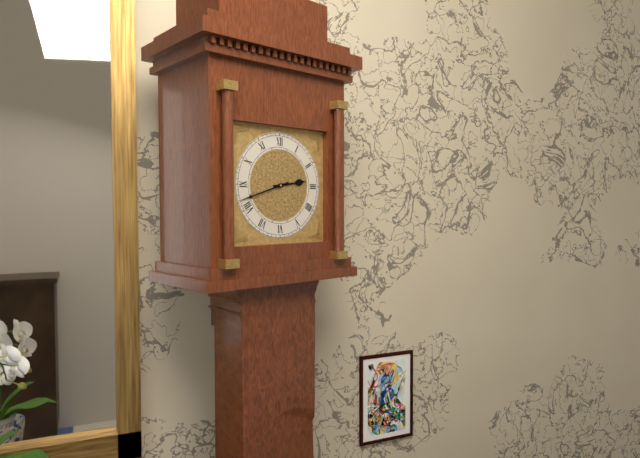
**2:42**
